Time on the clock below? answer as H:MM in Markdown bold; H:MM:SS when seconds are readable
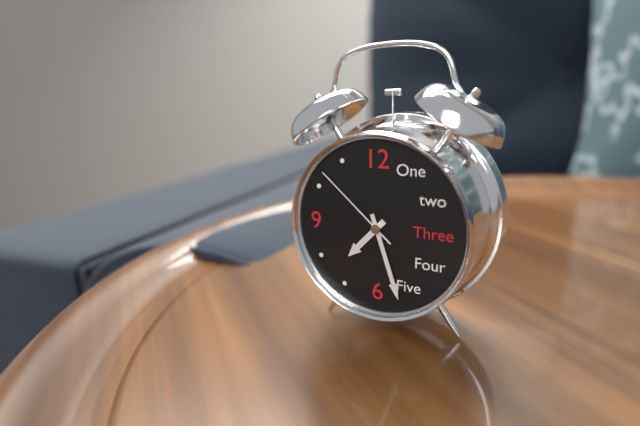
**7:27:52**
